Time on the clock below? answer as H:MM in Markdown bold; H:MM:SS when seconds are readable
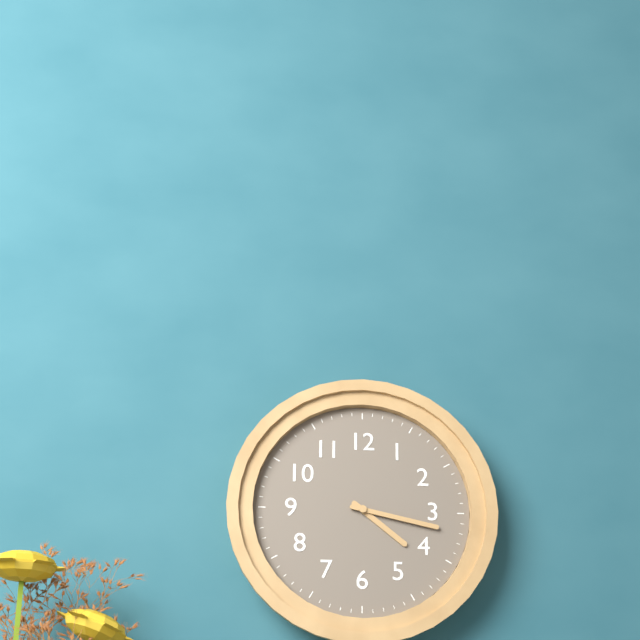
**4:17**
